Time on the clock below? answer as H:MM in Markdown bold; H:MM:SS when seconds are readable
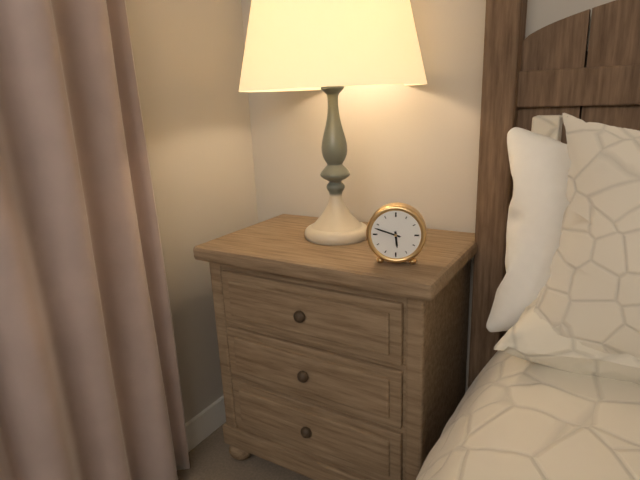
**5:48**
